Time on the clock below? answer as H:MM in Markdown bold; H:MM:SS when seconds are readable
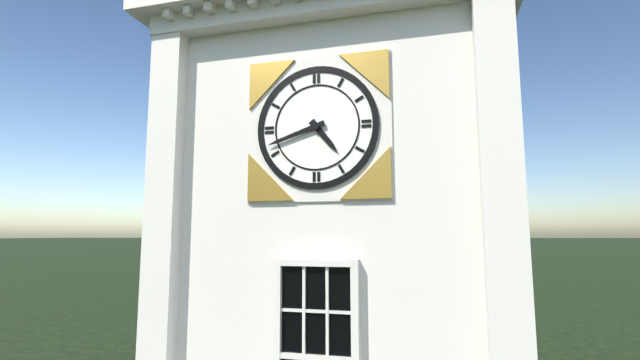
**4:42**
